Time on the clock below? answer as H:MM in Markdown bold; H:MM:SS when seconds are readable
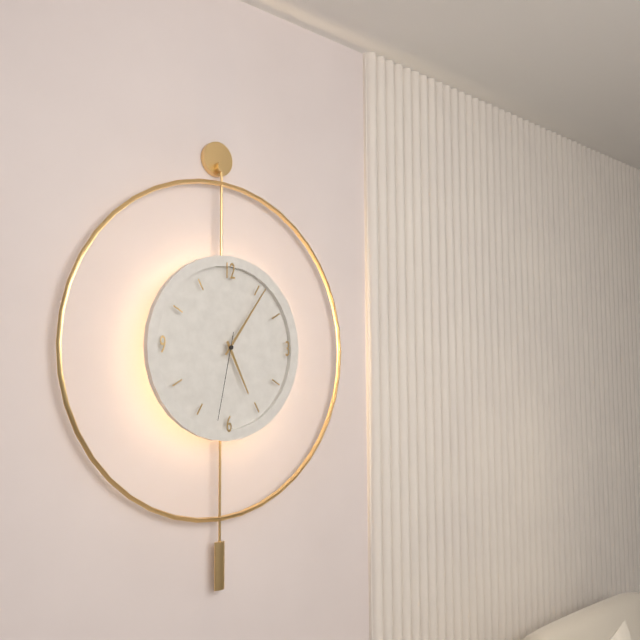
**5:06:32**
